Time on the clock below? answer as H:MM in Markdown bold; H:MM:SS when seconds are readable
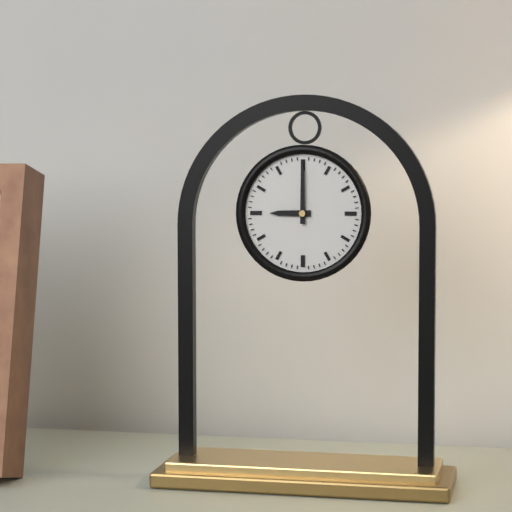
**9:00**
